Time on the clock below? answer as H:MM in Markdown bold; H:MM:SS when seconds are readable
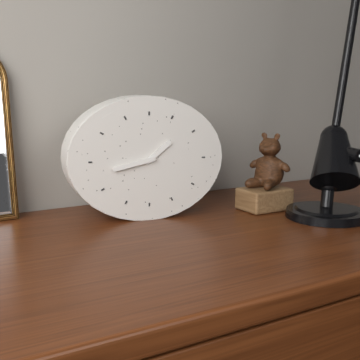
**1:43**
